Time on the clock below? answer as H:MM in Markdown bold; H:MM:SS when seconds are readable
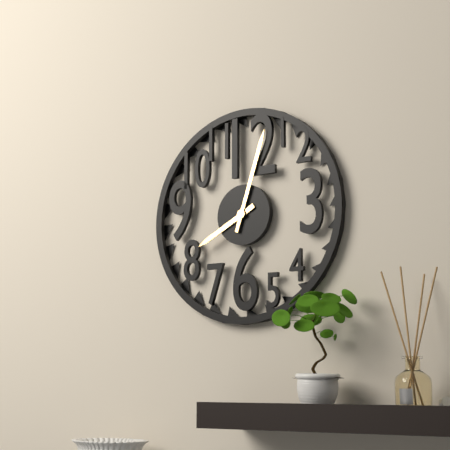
**8:03**
